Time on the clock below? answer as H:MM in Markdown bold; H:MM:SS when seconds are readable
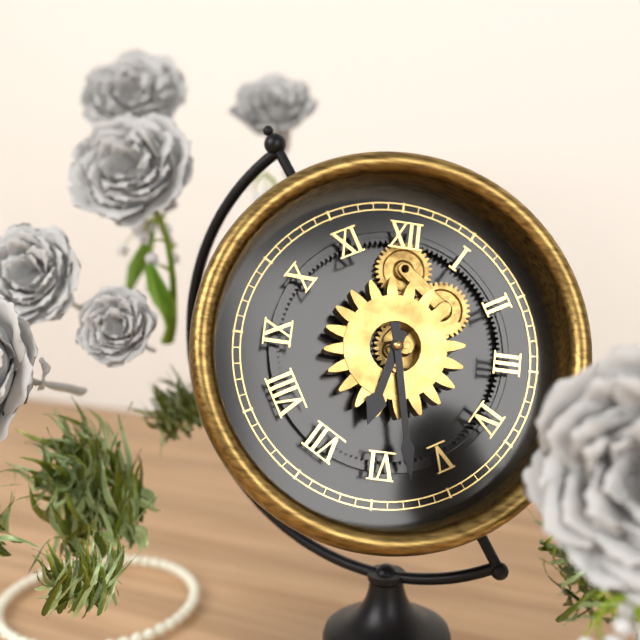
**6:28**
